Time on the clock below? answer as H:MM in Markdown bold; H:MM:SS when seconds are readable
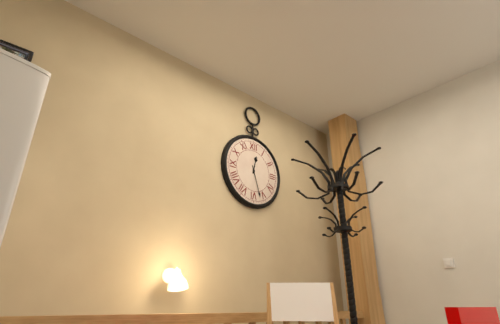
**12:27**
